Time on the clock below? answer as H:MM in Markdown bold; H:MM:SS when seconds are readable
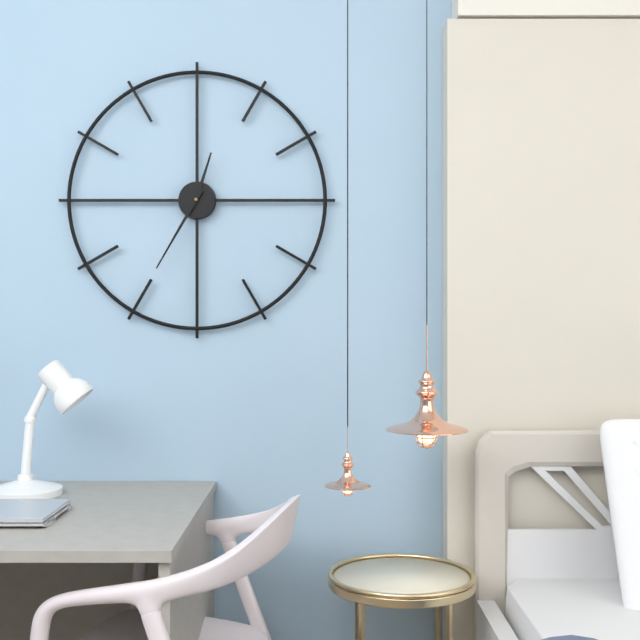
**12:35**
